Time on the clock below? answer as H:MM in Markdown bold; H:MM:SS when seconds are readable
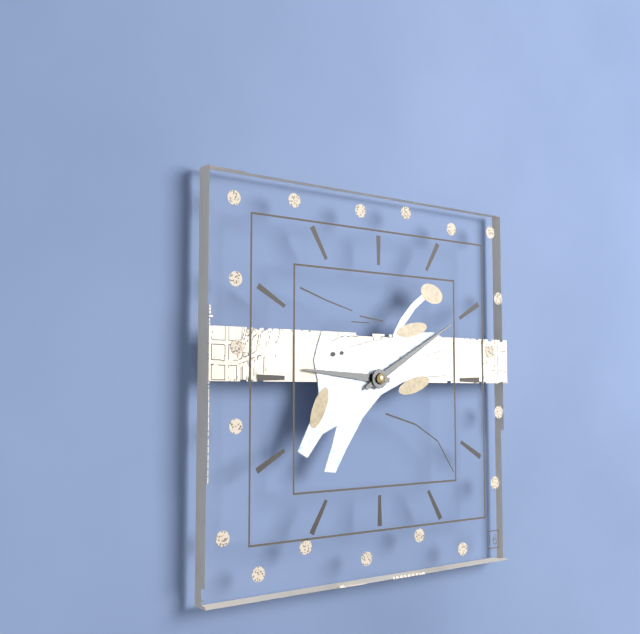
**9:10**
